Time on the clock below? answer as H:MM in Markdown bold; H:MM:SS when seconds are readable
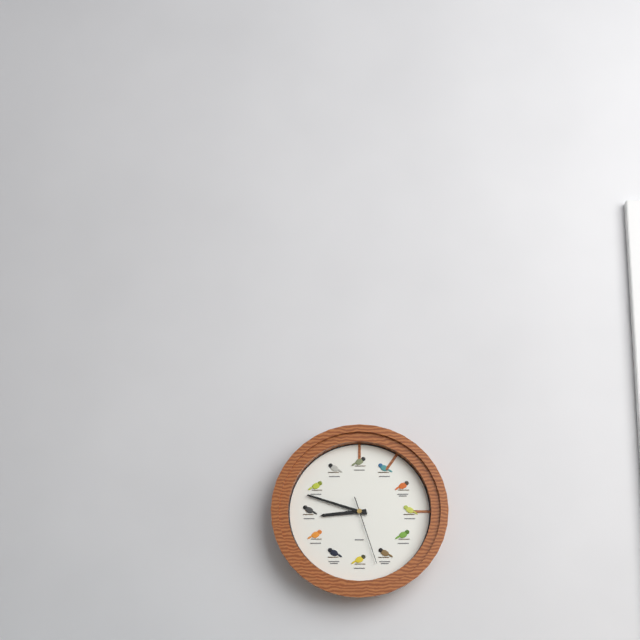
**8:48:27**
